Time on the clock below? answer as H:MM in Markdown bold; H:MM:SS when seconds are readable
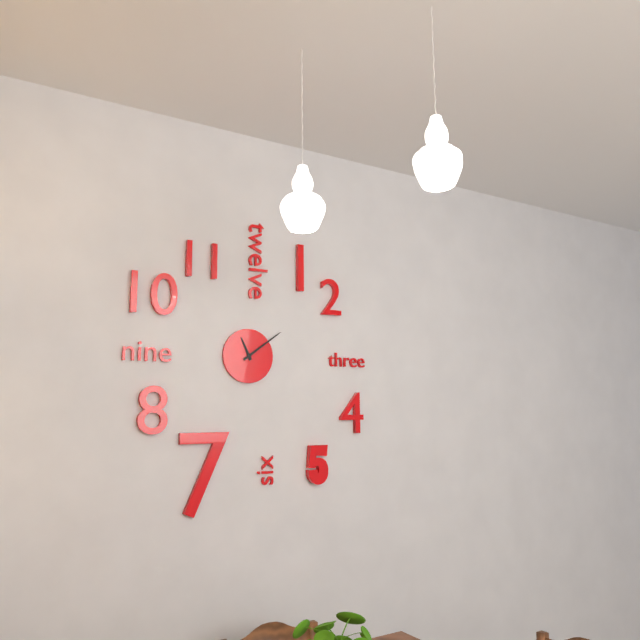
**11:09**
